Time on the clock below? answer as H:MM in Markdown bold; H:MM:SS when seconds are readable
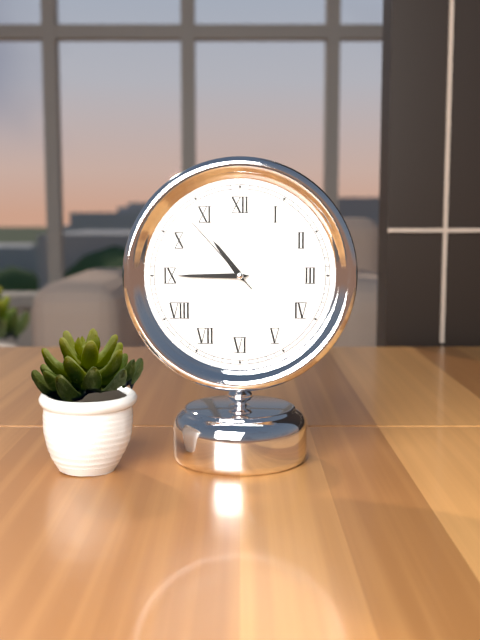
**10:45:53**
